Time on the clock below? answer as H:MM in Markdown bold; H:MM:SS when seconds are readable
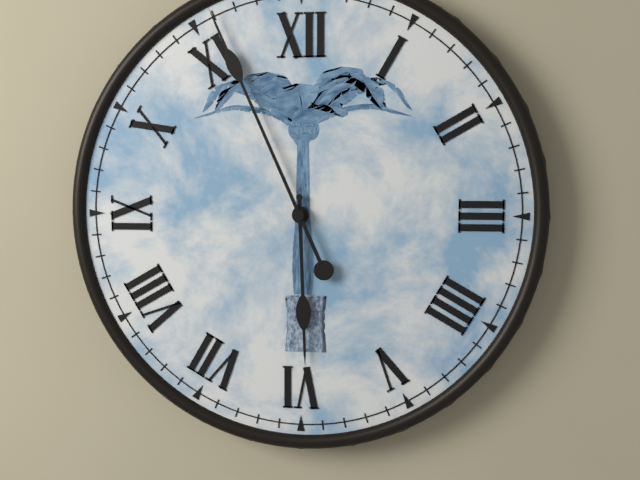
**5:56**
